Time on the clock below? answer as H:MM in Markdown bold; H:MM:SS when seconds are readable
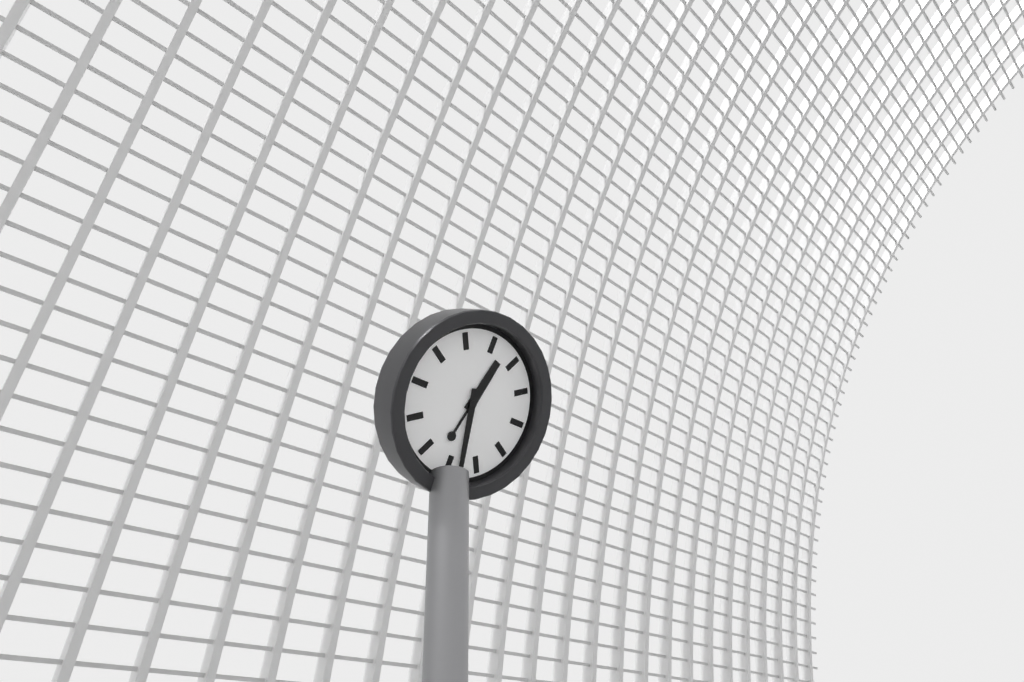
**12:28**
